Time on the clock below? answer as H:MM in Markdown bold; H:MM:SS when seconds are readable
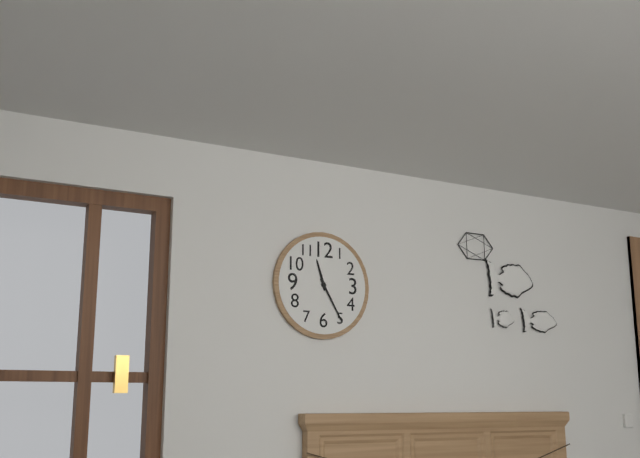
**11:25**
